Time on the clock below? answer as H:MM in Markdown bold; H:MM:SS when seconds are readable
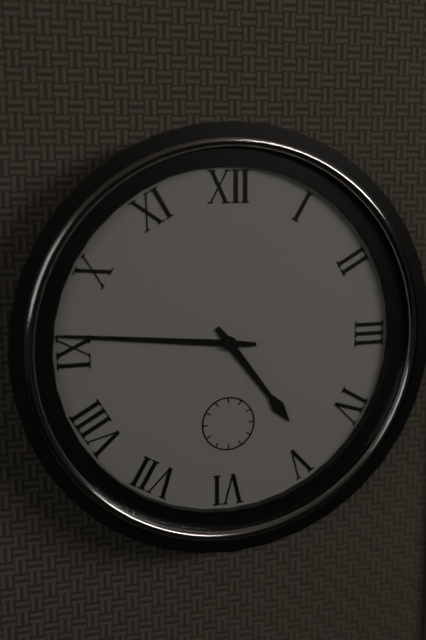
**4:46**
